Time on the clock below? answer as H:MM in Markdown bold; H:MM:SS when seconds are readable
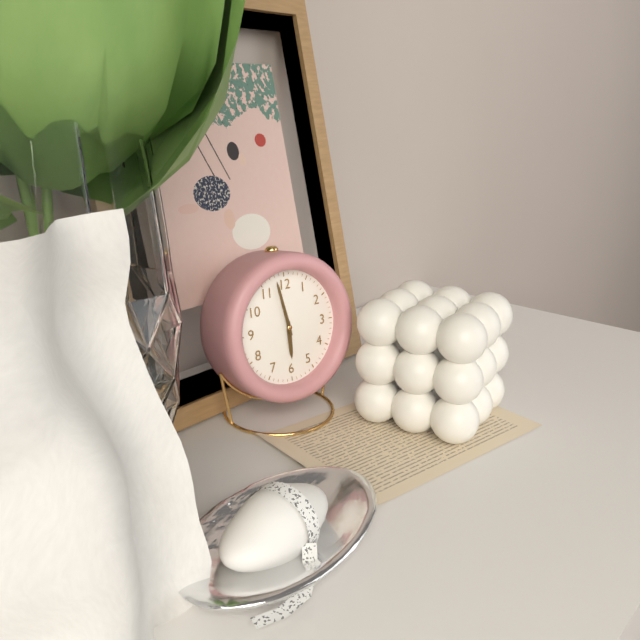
**5:58**
